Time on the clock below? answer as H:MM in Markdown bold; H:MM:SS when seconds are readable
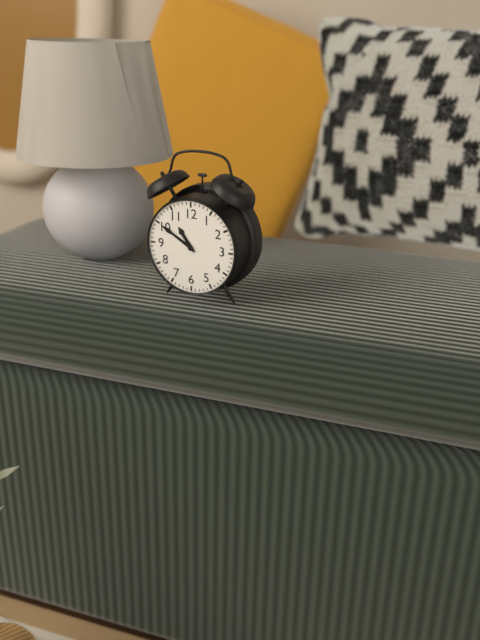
**10:50**
